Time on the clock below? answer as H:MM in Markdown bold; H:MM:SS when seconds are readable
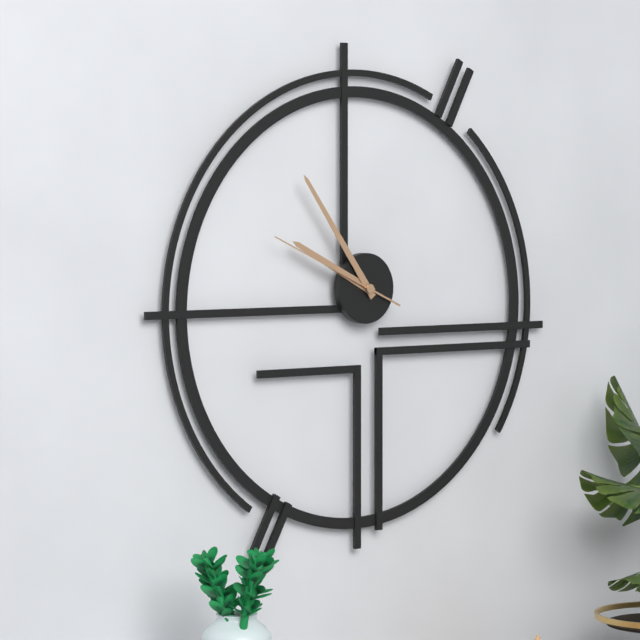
**9:54:49**
